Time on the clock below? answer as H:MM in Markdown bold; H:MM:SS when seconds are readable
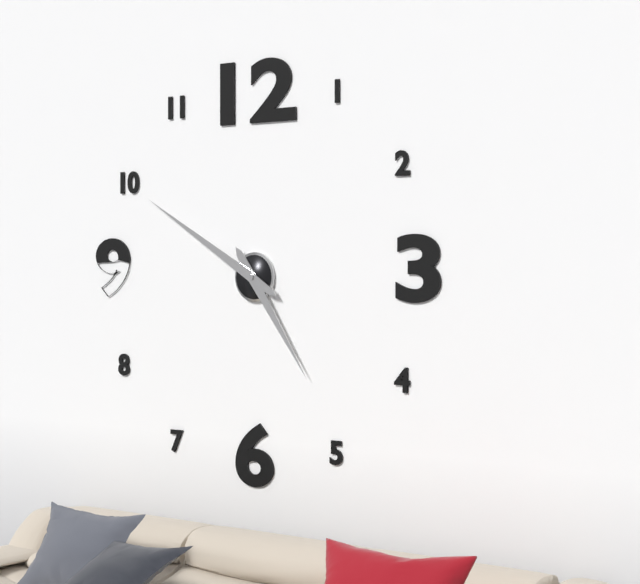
**4:50**
